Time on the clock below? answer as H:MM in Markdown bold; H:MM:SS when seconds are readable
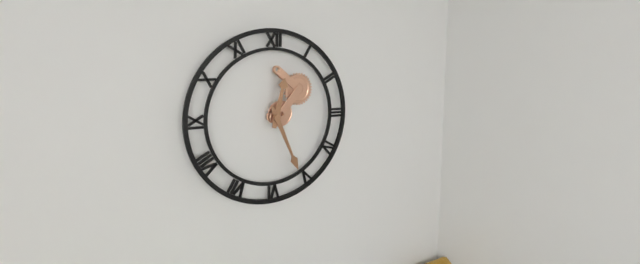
**12:26**
